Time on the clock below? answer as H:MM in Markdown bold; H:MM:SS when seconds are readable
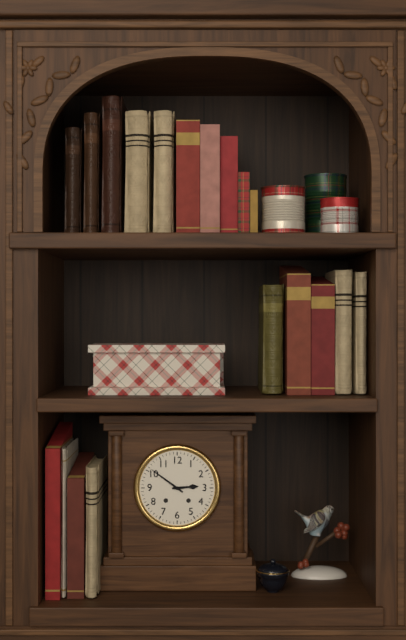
**2:51**
